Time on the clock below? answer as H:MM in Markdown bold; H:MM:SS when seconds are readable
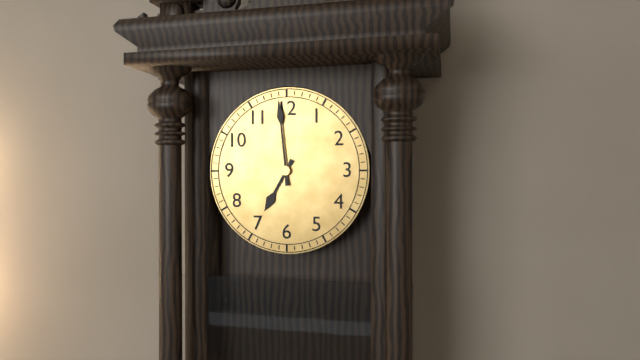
**6:59**
